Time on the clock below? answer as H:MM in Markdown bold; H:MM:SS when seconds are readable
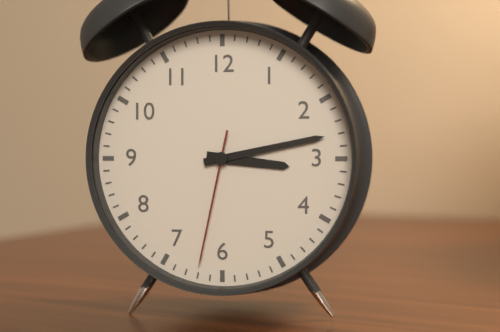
**3:13:32**
